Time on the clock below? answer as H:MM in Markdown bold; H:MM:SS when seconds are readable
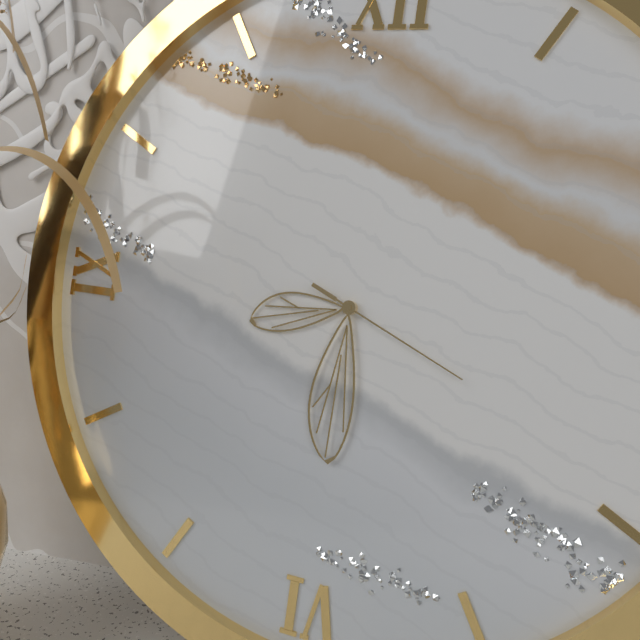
**8:30:19**
